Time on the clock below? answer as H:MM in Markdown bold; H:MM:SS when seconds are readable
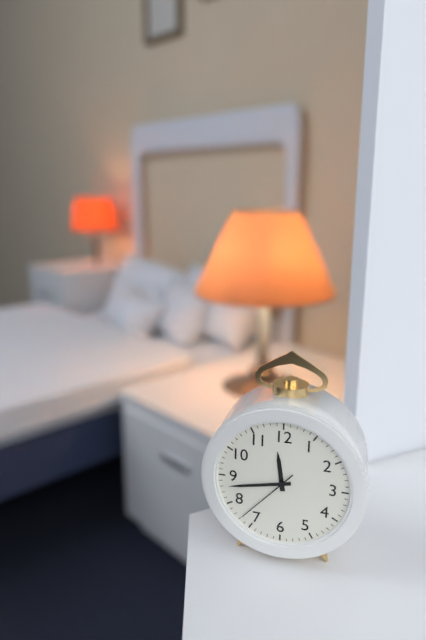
**11:43:37**
